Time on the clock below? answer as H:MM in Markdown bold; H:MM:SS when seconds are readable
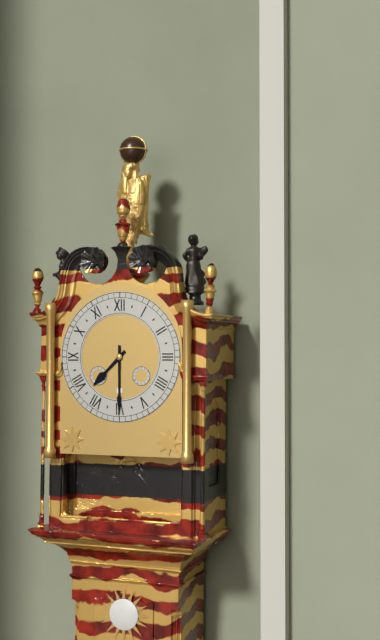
**7:30**
